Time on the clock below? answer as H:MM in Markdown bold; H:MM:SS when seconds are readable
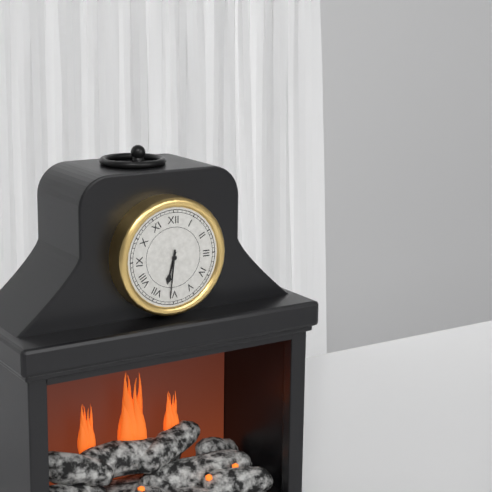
**6:31**
